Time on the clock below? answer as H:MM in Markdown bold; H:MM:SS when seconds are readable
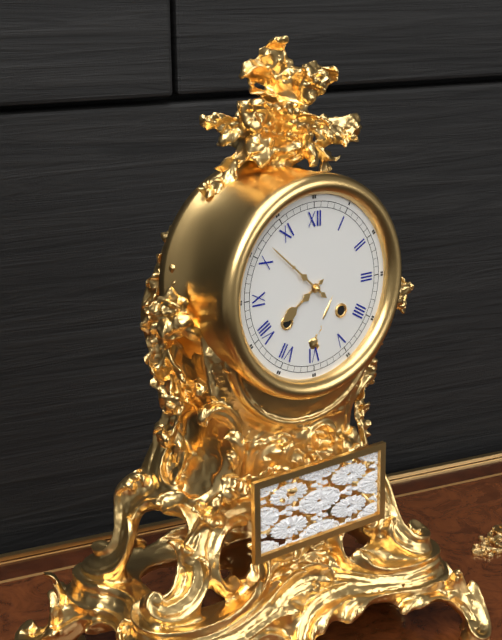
**7:52**
